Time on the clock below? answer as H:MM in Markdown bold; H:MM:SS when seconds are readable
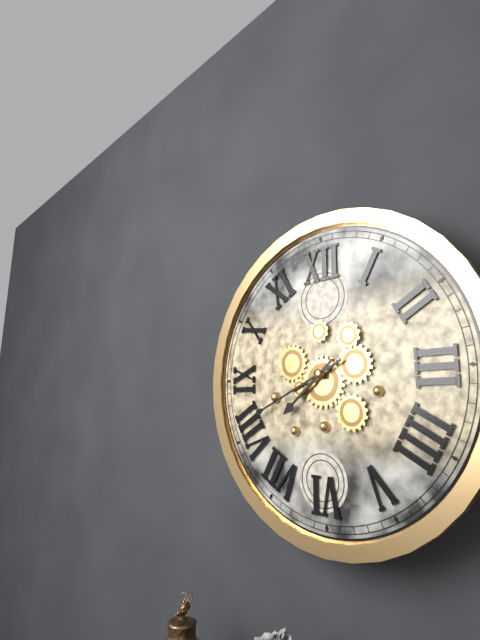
**7:41**
